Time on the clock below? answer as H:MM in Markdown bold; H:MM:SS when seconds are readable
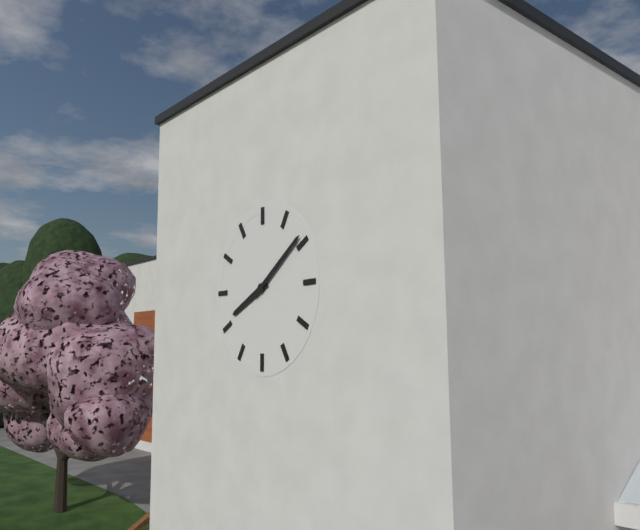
**8:09**
